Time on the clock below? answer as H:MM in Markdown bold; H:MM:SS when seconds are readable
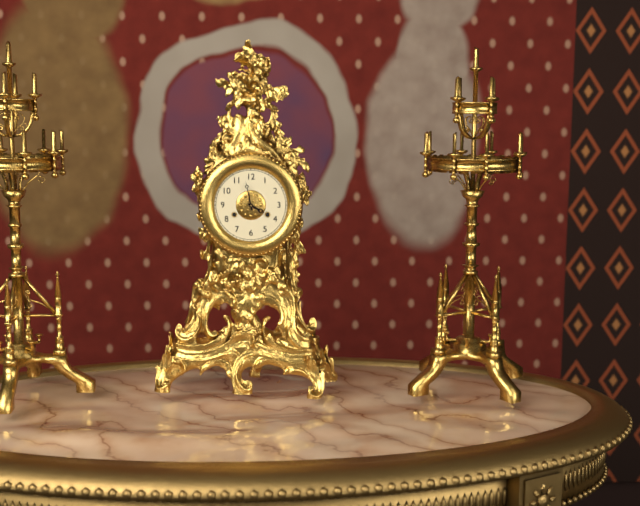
**3:58**
